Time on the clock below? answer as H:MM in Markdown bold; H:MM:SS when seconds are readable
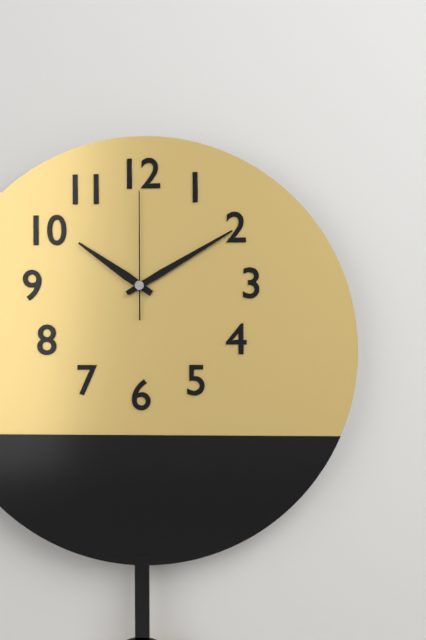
**10:10:00**
